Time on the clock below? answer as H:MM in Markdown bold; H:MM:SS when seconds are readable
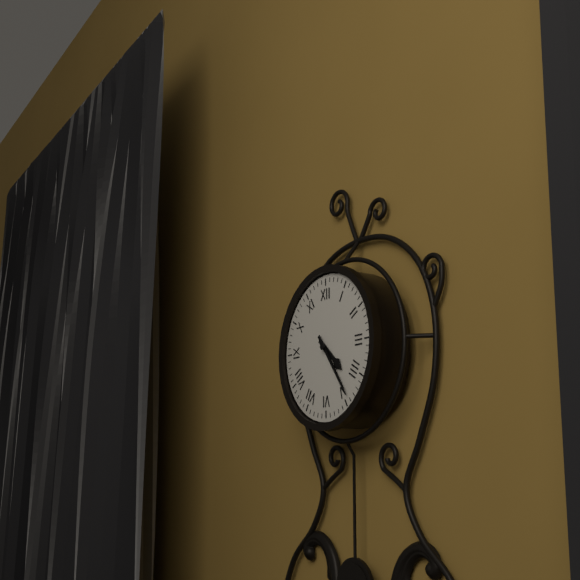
**4:24**
